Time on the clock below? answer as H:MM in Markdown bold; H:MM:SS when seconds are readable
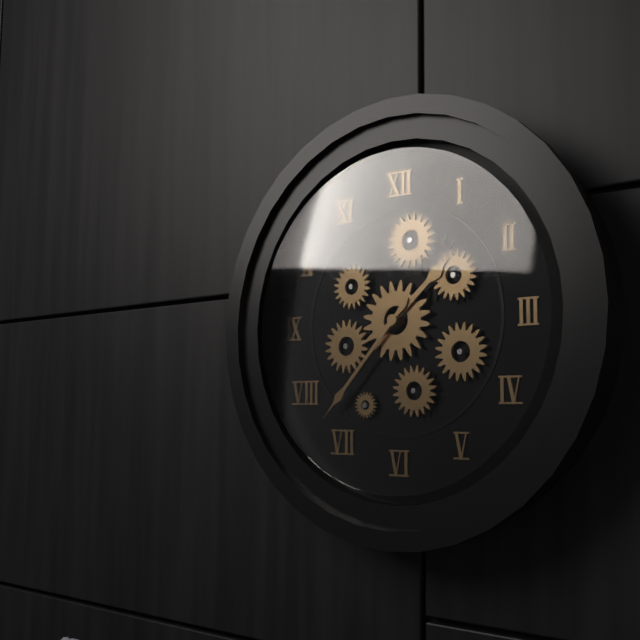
**1:37**
